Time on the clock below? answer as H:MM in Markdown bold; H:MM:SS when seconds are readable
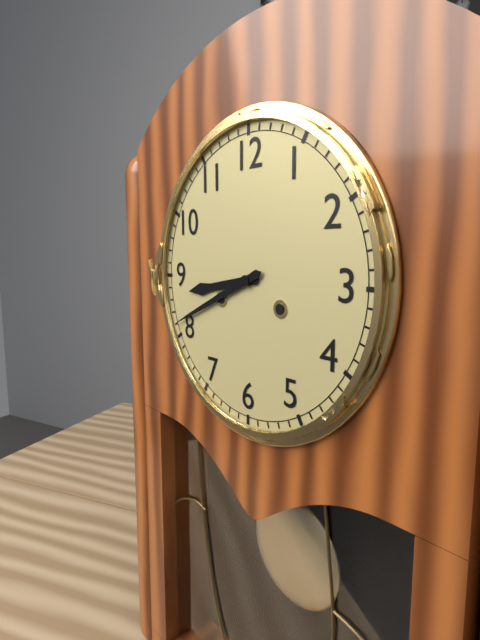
**8:41**
